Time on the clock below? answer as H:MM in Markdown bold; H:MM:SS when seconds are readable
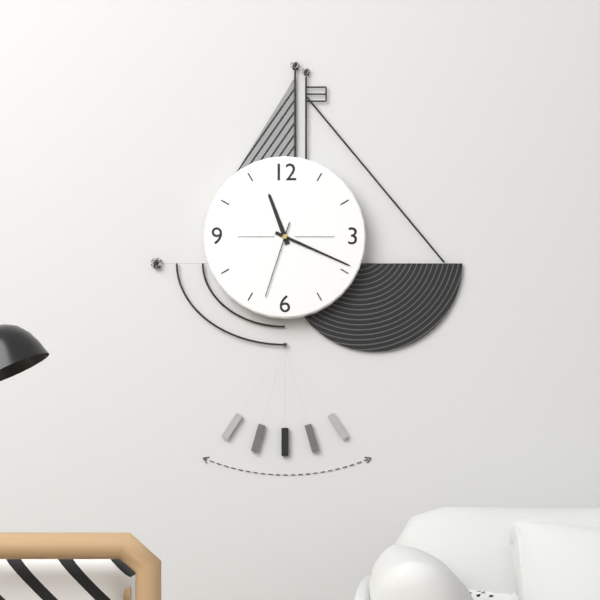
**11:19:33**
